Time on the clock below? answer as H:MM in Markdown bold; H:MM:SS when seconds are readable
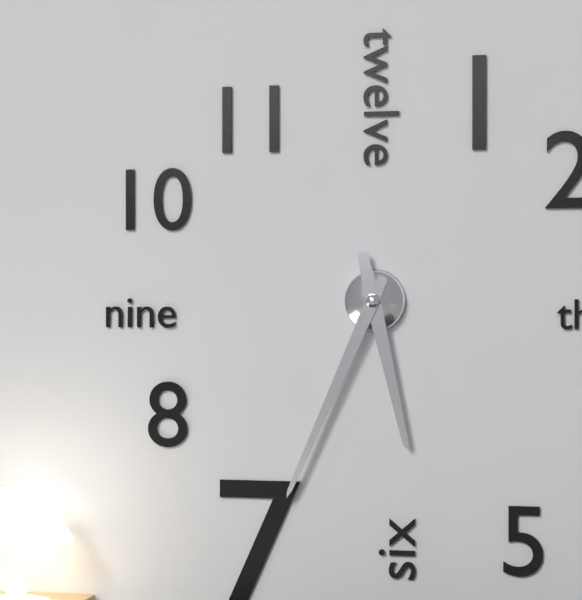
**5:34**
